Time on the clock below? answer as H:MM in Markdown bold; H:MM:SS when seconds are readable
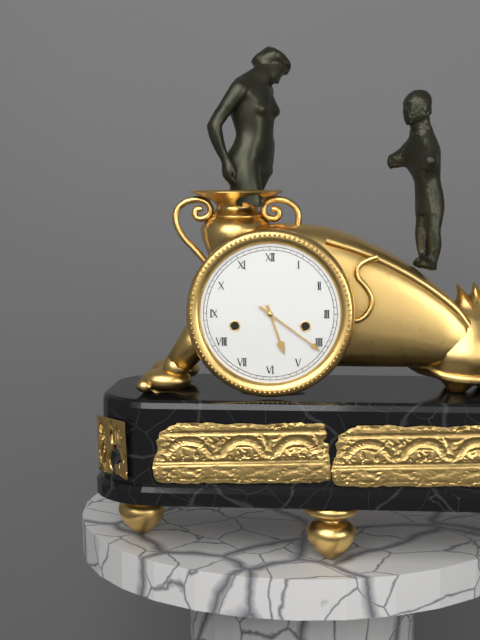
**5:21**
